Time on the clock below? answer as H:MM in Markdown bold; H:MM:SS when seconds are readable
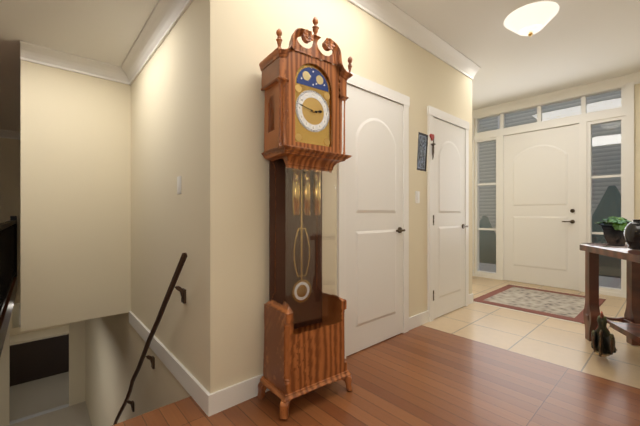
**2:47**
